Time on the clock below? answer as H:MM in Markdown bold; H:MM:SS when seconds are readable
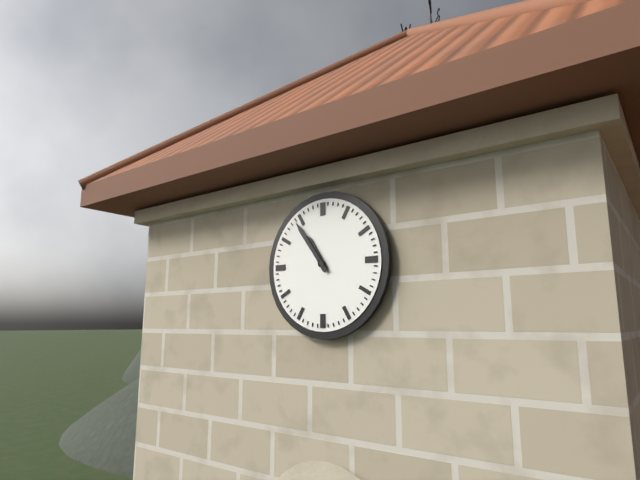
**10:54**
